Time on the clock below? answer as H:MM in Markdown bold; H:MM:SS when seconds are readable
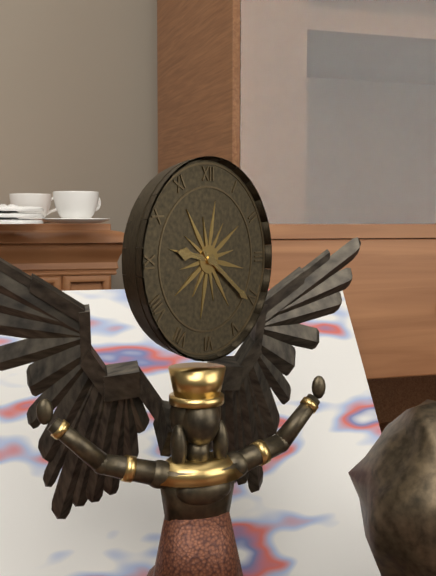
**9:21**
